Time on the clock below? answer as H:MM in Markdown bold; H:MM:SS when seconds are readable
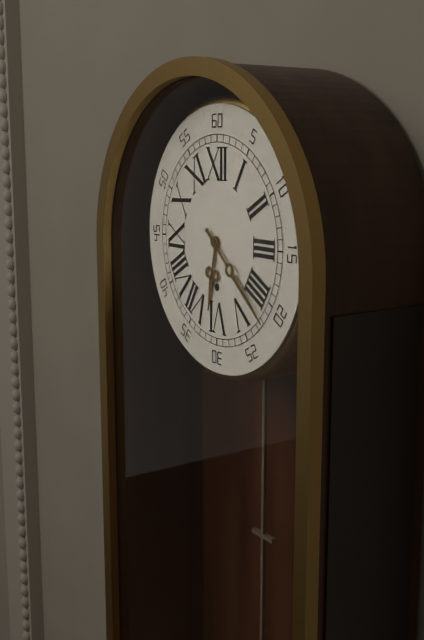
**6:22**
